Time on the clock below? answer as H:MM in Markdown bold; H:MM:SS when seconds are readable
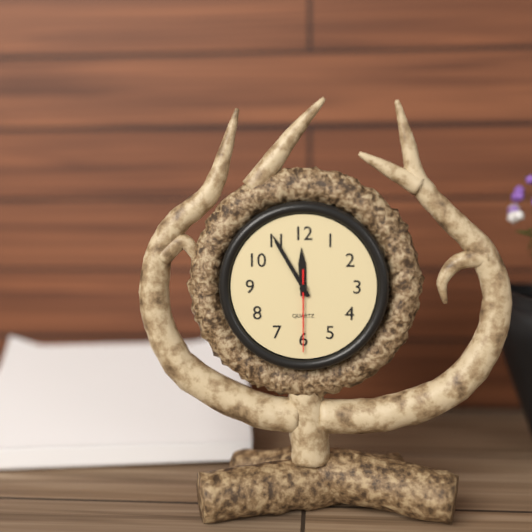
**11:55:30**
